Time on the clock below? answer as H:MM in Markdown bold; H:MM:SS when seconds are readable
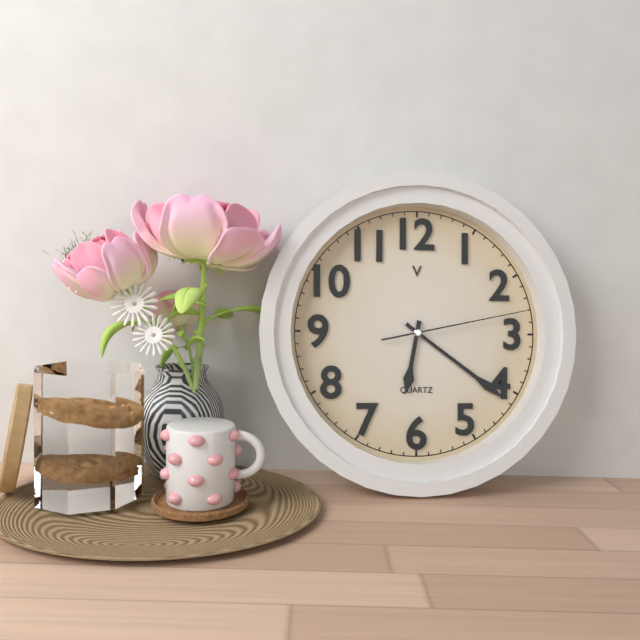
**6:21:13**
